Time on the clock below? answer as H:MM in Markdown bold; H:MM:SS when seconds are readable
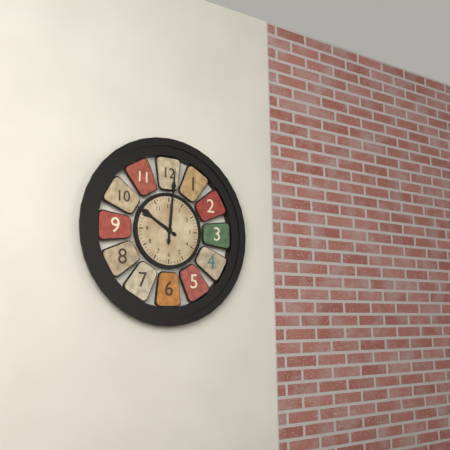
**10:01**
